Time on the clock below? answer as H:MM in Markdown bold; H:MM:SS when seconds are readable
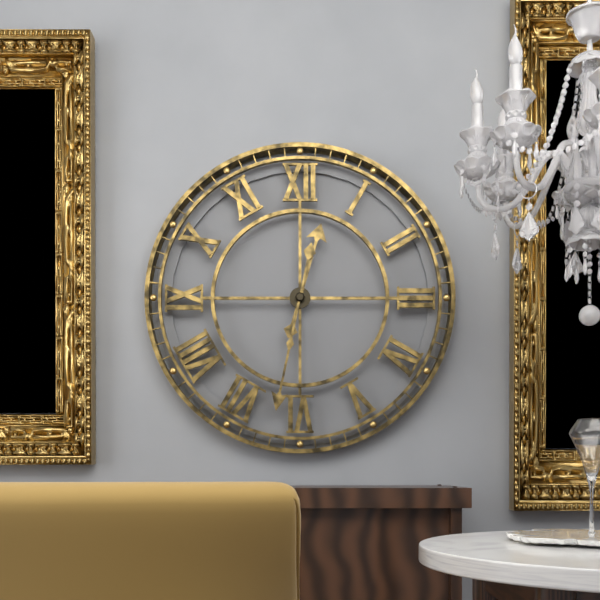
**12:32**
